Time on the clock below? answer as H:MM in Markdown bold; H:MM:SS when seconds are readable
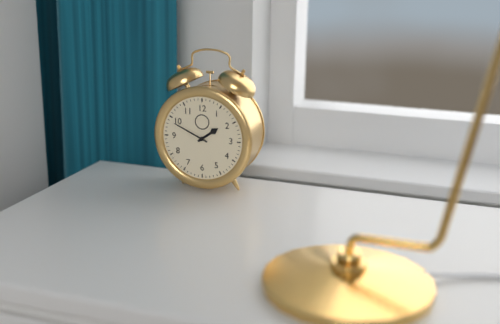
**1:49**
